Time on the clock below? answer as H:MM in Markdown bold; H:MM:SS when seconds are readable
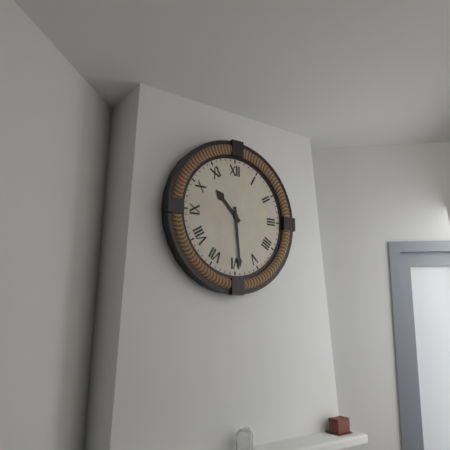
**10:29**
